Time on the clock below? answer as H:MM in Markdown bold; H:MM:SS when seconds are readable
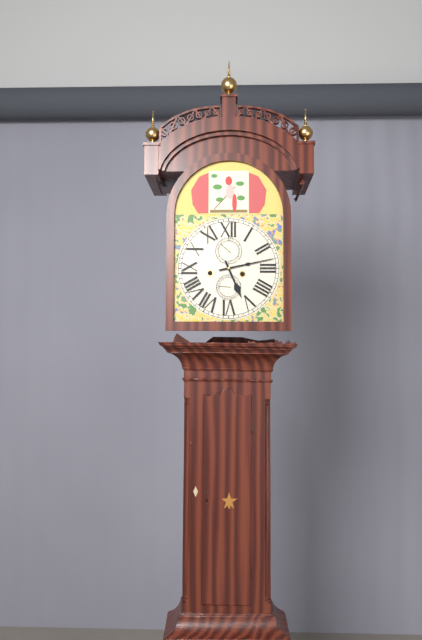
**5:13**
